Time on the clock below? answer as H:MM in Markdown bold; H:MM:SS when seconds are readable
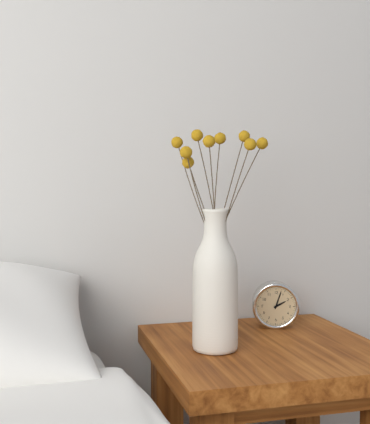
**2:03**
